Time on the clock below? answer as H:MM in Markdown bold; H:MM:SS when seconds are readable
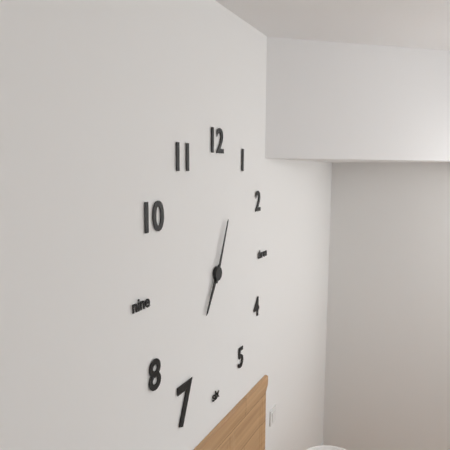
**7:04**
